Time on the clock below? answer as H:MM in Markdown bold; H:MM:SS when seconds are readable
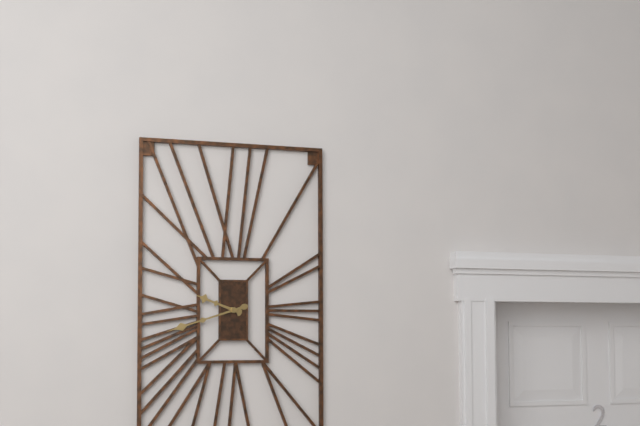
**9:42**
